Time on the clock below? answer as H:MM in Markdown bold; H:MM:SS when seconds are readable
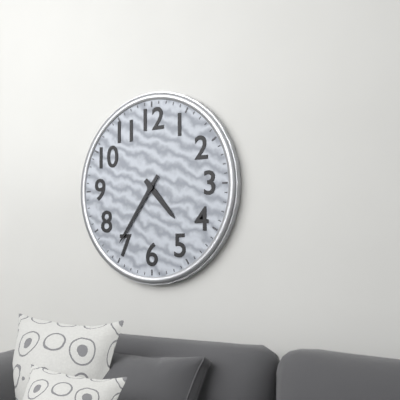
**4:36**
